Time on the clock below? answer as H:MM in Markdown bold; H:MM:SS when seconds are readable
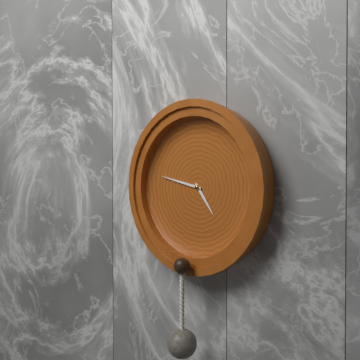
**4:47**
